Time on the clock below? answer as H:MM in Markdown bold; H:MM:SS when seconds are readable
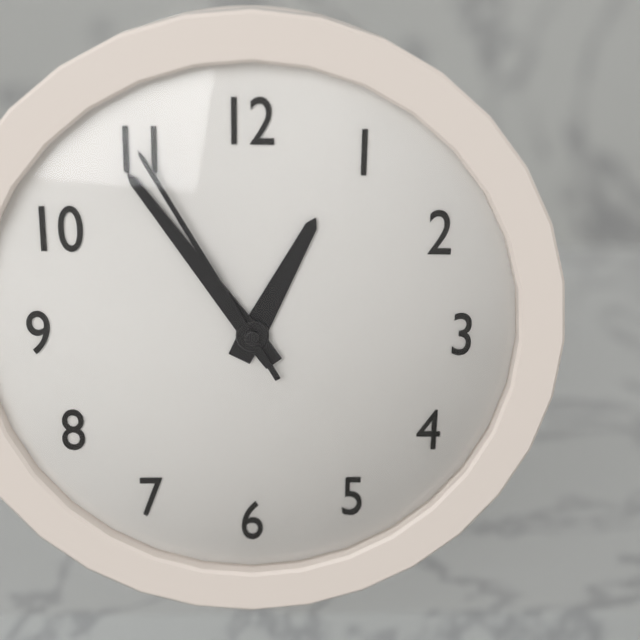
**12:54:55**
